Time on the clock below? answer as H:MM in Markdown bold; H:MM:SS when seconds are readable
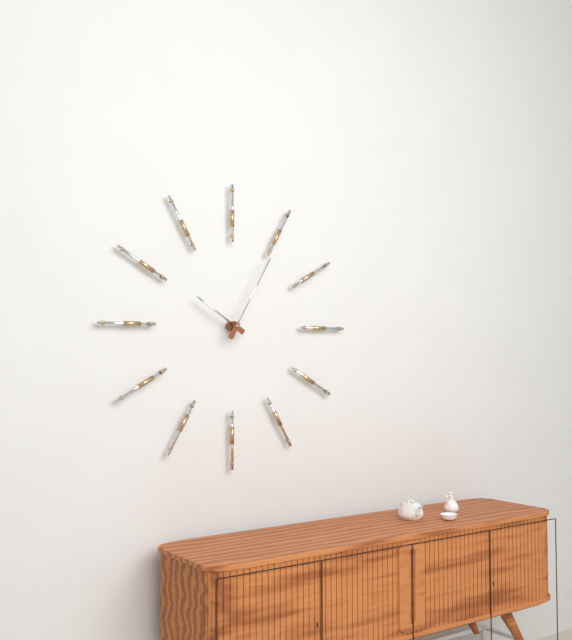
**10:05**
